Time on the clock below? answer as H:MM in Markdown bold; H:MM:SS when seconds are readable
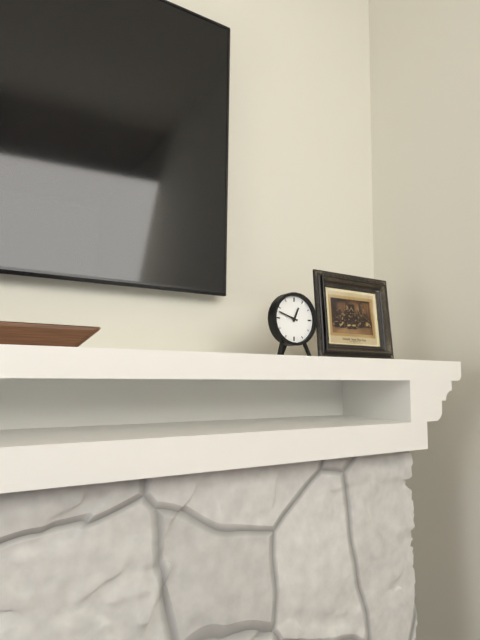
**12:48**
